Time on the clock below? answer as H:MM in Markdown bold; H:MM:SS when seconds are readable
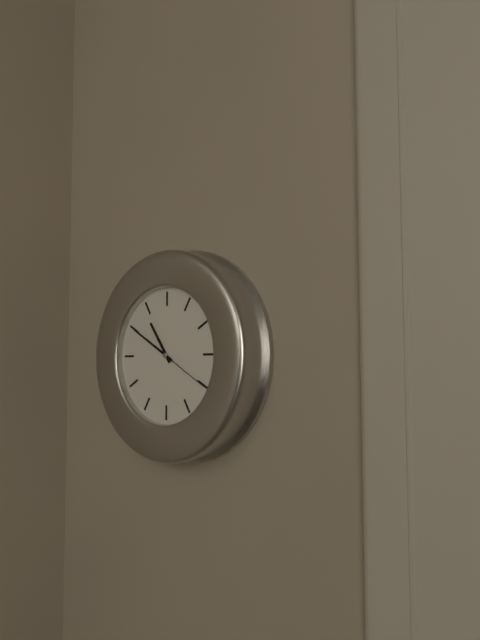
**10:50:20**
